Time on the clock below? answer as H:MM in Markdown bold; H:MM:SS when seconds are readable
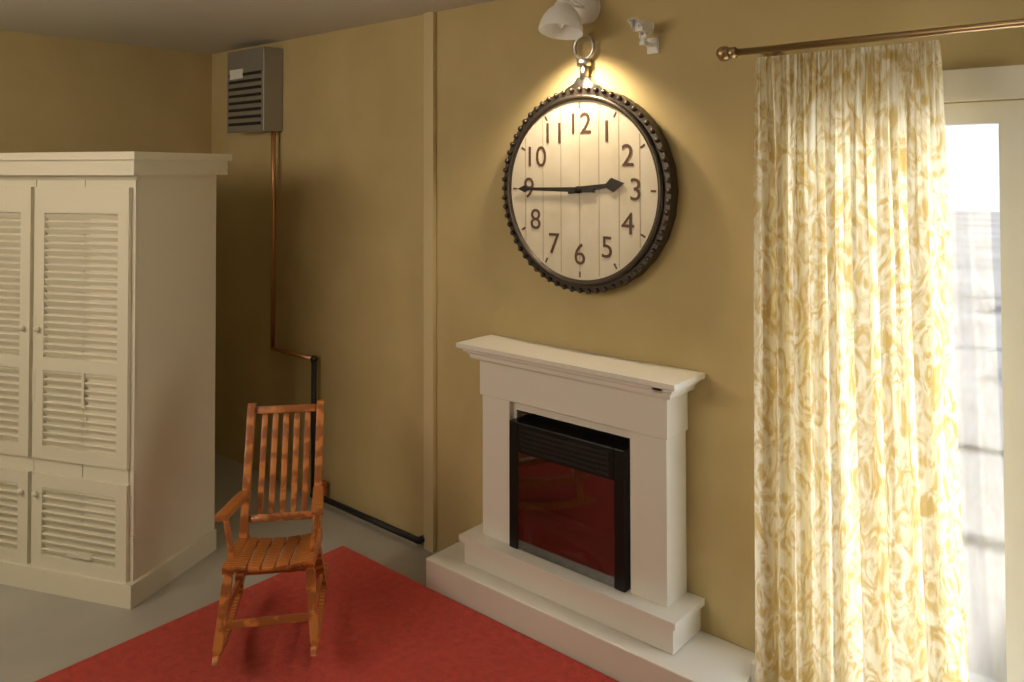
**2:45**
